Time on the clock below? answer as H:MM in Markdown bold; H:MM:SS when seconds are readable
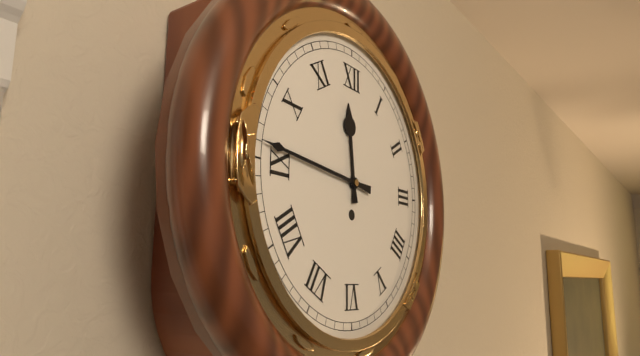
**11:46**
